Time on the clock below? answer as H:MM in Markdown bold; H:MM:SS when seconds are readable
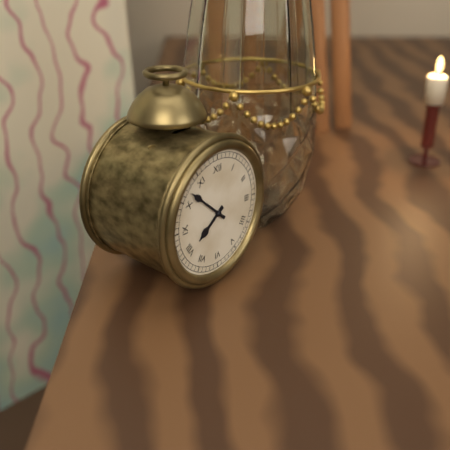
**7:52**
